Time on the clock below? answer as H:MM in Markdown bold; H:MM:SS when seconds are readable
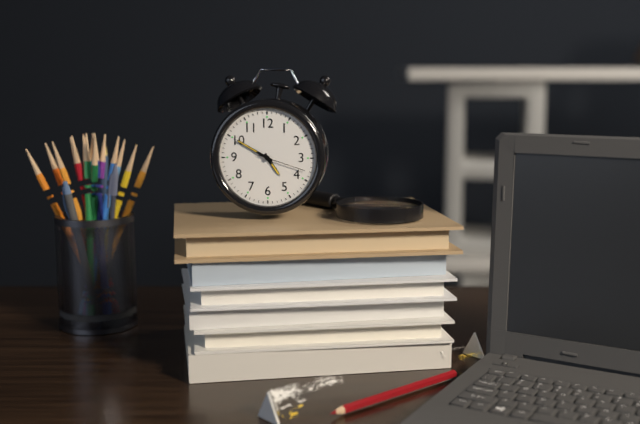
**4:50:18**
